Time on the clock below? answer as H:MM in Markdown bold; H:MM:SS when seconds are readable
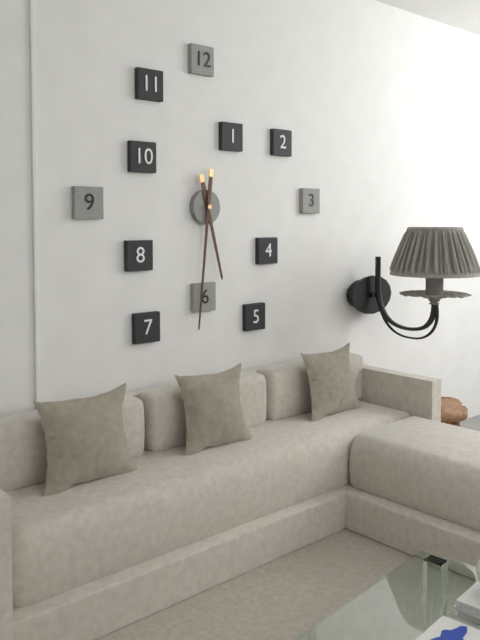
**5:31**
